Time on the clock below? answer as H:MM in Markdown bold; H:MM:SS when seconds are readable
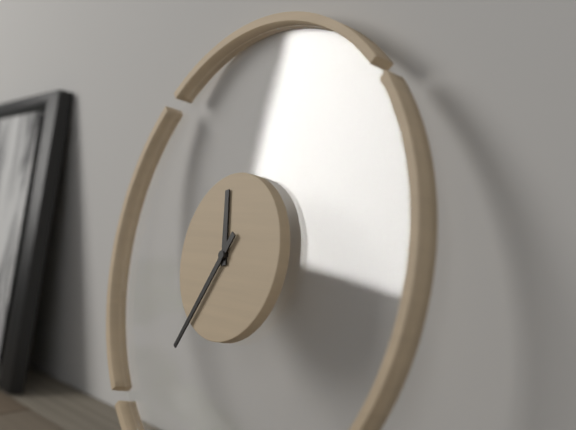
**11:35**
